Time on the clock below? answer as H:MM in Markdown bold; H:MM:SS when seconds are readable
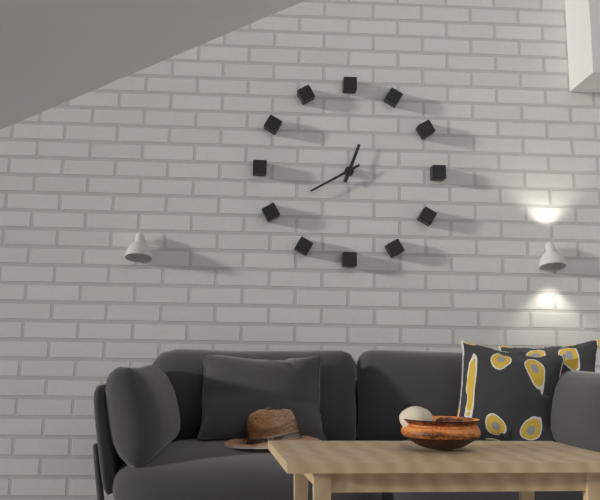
**12:40**
